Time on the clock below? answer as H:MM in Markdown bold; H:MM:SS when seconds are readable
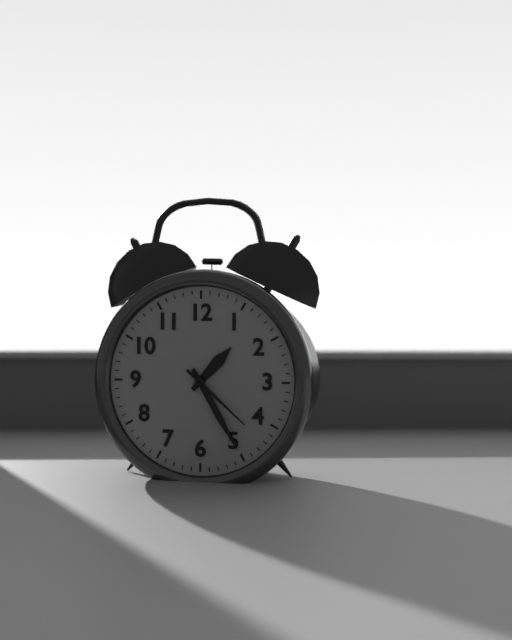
**1:25:22**
